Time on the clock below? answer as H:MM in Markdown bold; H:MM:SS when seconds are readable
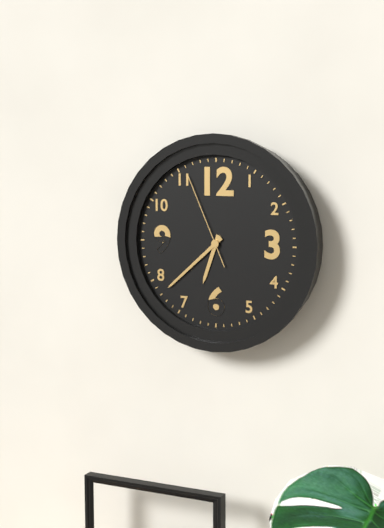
**6:38:56**
